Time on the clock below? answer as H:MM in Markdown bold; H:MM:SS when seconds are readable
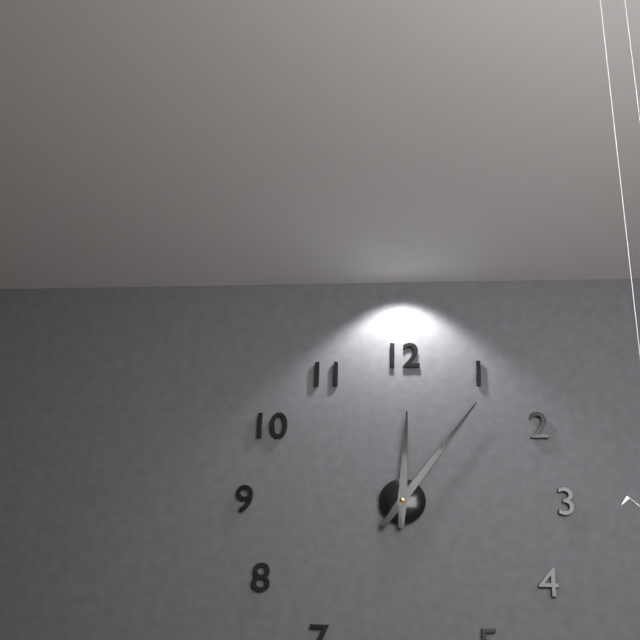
**12:06**
